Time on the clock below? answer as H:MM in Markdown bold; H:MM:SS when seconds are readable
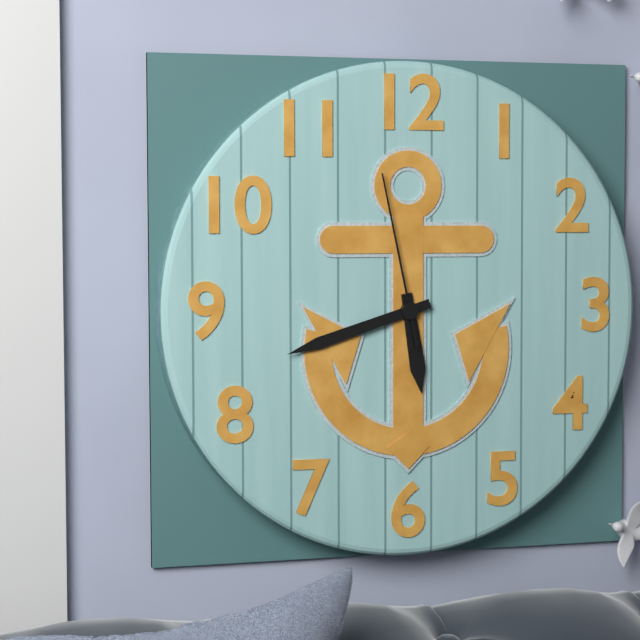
**5:42:58**
